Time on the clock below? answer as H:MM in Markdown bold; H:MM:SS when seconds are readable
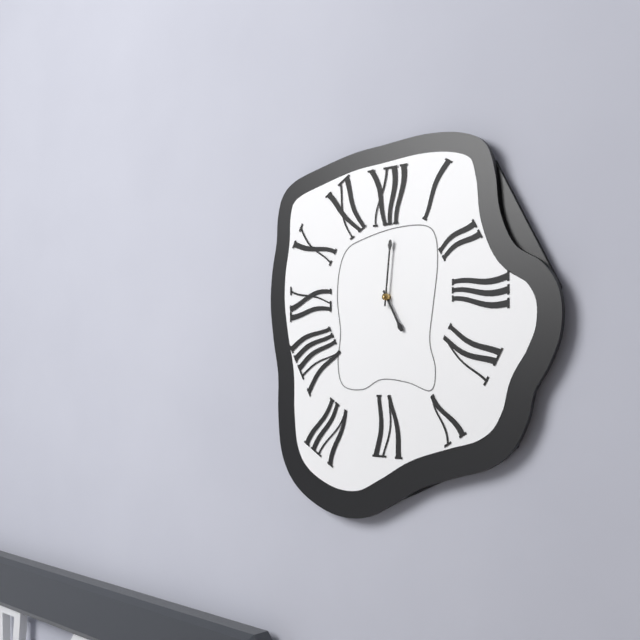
**5:01**
